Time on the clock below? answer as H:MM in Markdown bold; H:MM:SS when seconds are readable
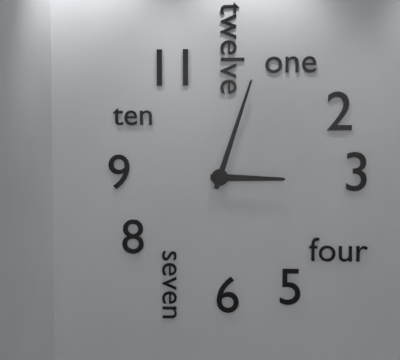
**3:03**
